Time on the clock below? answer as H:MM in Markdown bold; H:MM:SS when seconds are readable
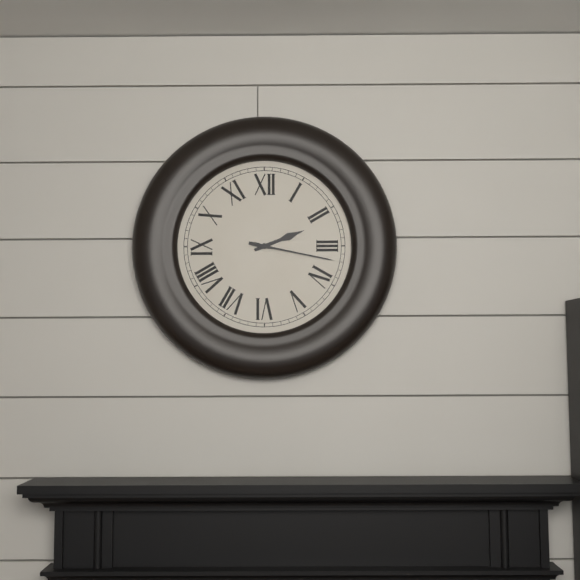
**2:17**
